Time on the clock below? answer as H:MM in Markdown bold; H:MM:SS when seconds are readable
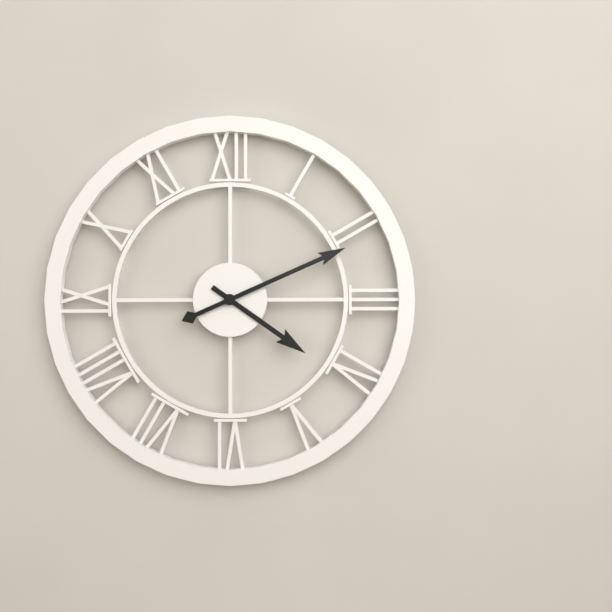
**4:11**
